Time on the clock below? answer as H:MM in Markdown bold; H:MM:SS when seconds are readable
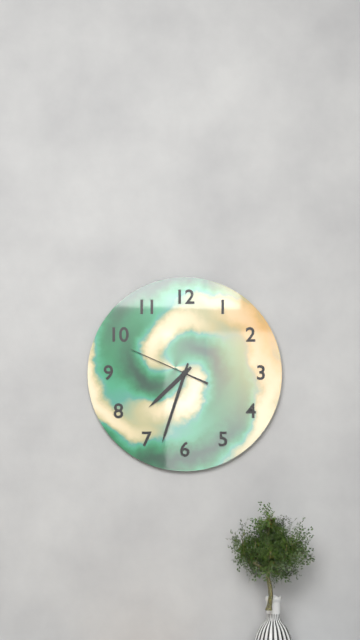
**7:33:49**
